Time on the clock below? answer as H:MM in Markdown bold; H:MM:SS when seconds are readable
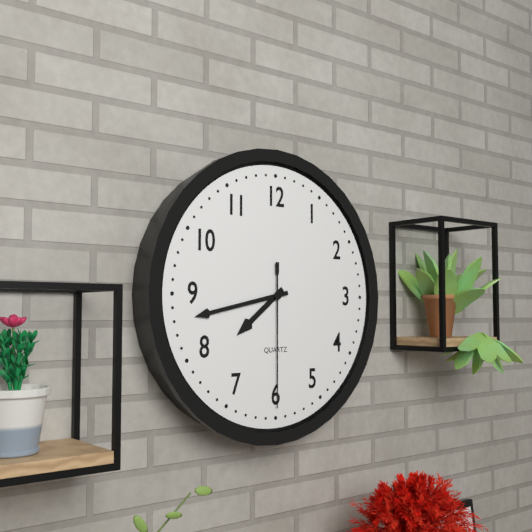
**7:43:30**
